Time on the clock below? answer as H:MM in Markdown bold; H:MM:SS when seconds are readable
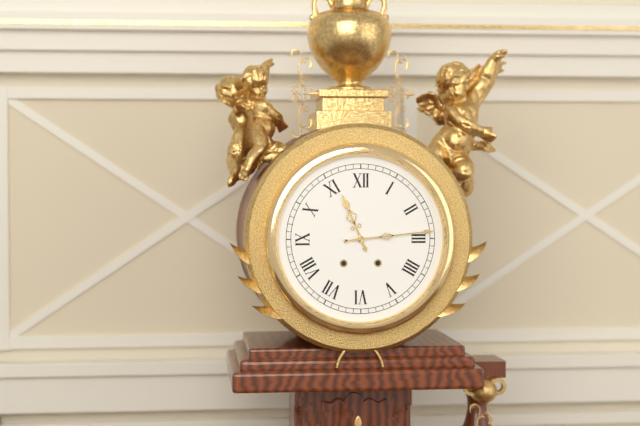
**11:14**
